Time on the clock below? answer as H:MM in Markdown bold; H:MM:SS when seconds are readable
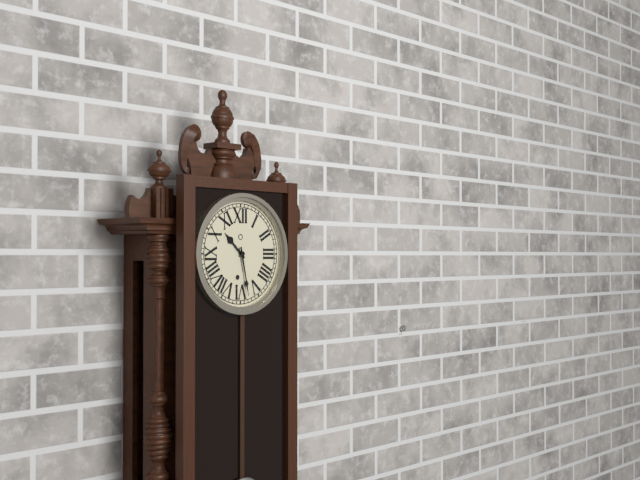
**10:28**
